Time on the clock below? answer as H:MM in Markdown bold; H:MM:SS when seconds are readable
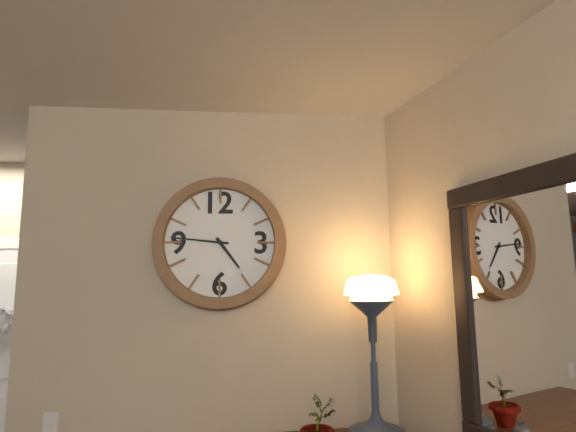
**4:46**
